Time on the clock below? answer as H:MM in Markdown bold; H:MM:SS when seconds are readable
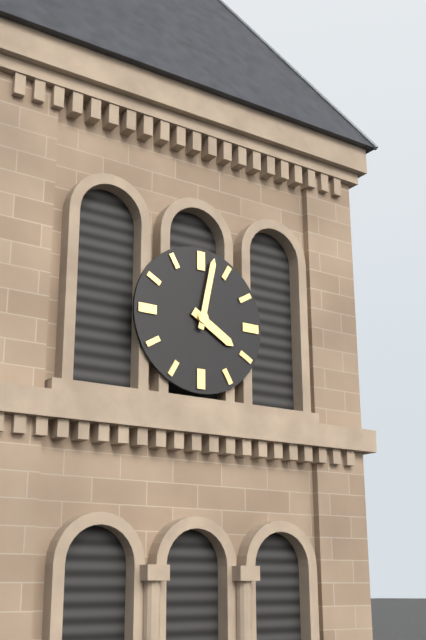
**4:02**
